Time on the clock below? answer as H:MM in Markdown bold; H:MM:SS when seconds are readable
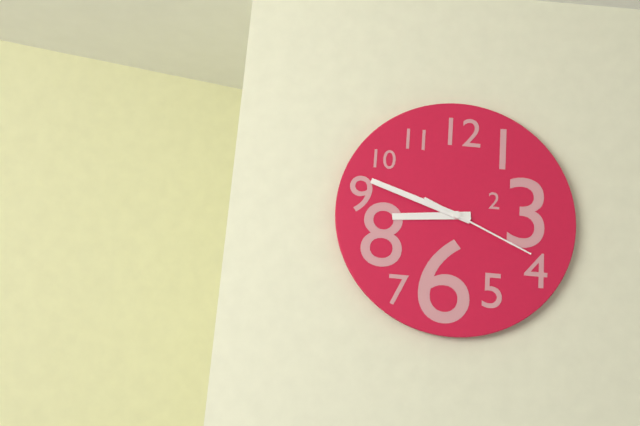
**8:48:19**
